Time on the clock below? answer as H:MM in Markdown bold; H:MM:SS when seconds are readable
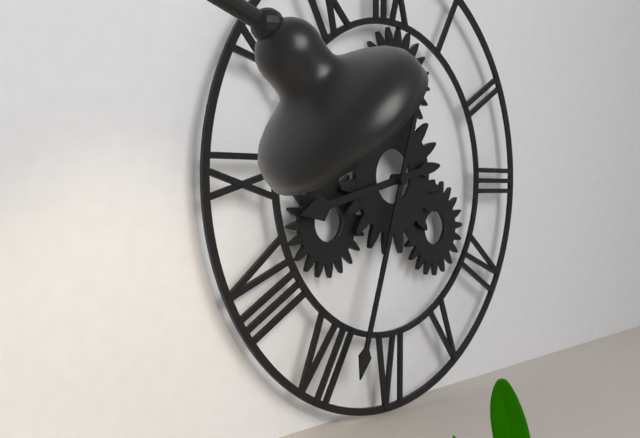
**8:33**
